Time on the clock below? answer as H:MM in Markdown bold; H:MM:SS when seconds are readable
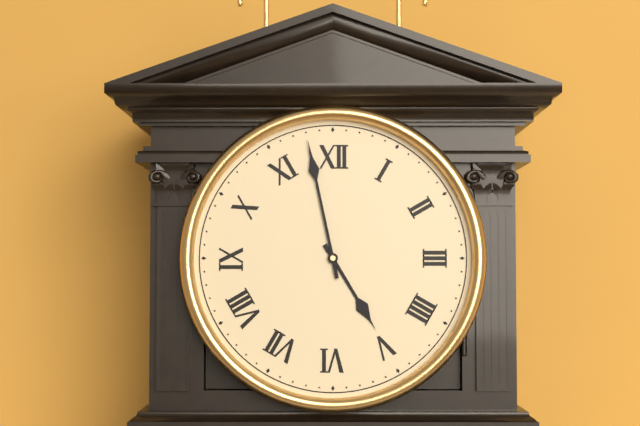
**4:58**
